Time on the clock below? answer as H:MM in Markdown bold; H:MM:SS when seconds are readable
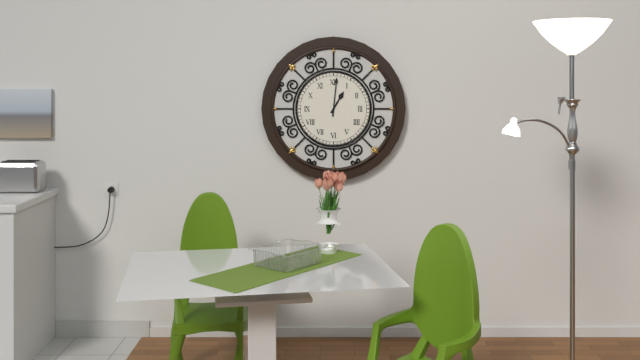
**1:01**
